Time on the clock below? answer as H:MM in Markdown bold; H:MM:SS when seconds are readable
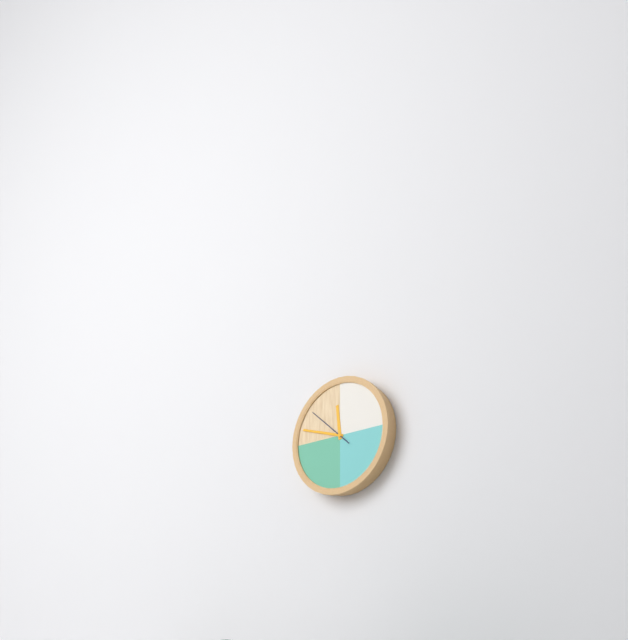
**11:48**
